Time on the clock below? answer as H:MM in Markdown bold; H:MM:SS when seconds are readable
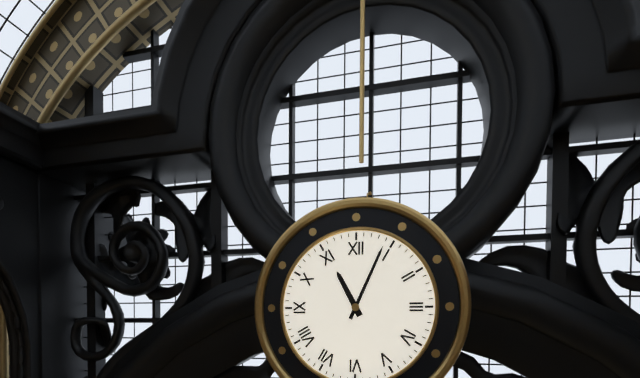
**11:04**
